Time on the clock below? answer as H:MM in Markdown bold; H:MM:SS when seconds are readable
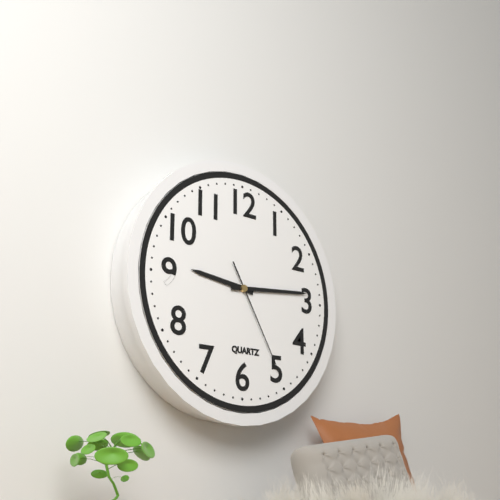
**9:14:25**
